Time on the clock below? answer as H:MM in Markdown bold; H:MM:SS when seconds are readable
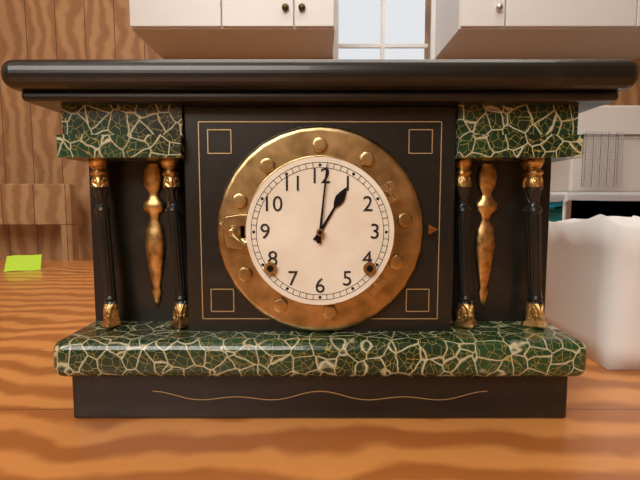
**1:01**
